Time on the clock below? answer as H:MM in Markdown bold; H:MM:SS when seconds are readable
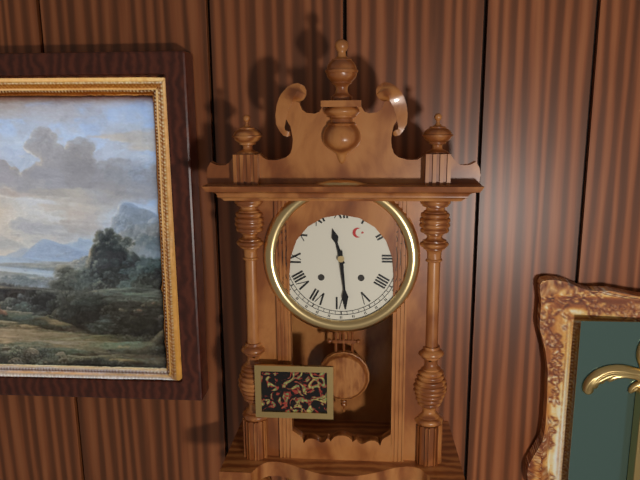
**11:29**
